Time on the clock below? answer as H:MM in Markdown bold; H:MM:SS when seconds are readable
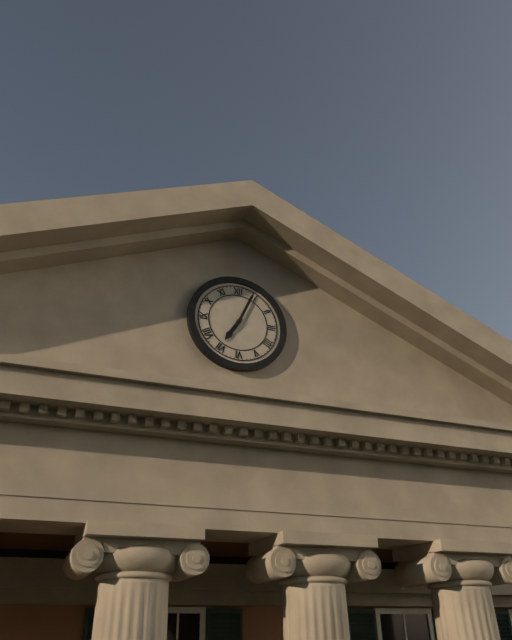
**7:04**
